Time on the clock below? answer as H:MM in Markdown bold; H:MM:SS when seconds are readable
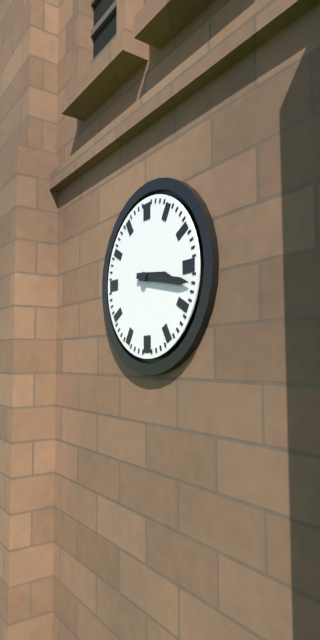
**3:17**
